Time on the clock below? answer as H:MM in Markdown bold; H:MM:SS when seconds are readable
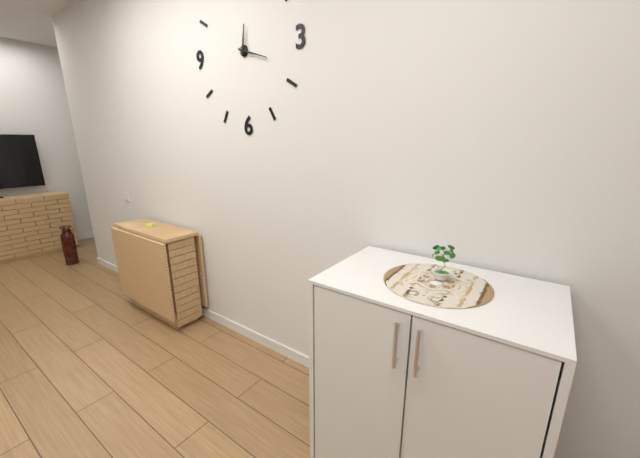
**12:18**
